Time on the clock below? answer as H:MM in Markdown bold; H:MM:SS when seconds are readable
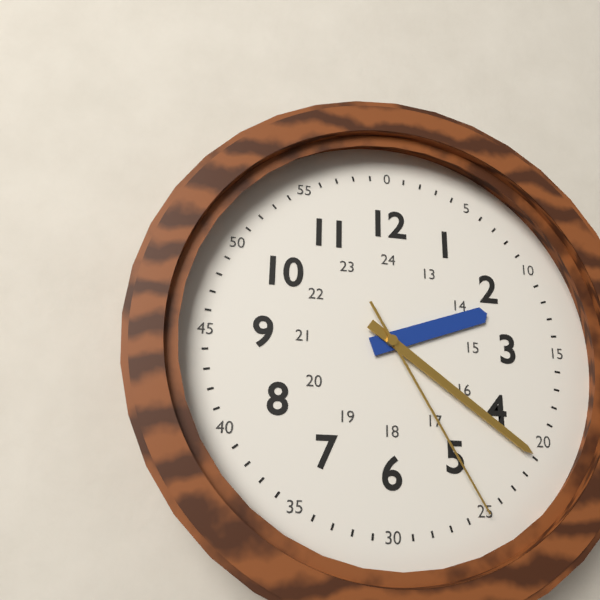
**2:21:25**
